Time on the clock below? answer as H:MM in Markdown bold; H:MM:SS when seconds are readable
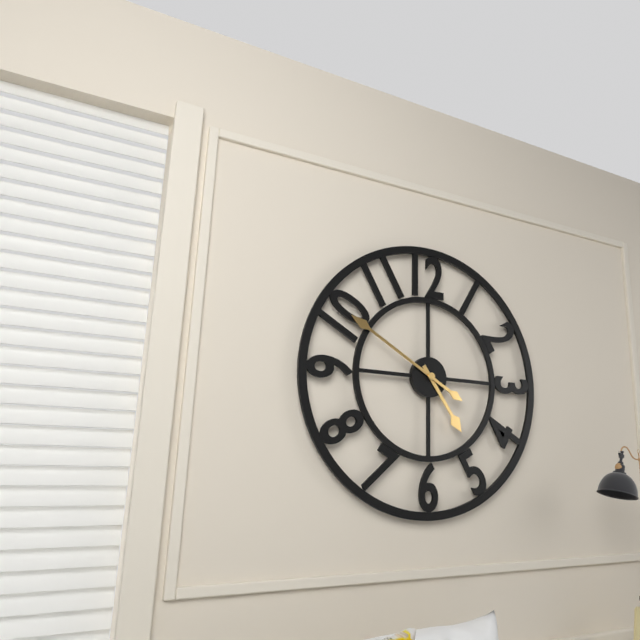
**4:50**
